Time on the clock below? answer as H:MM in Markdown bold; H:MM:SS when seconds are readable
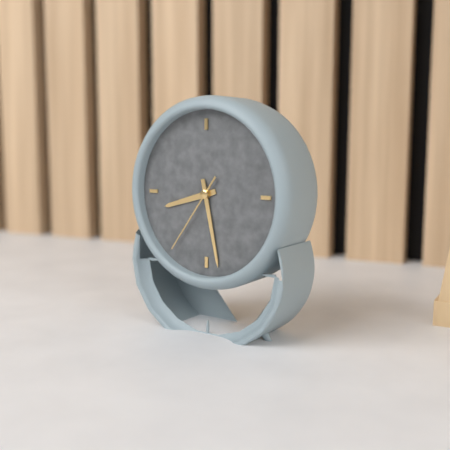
**8:28:36**
